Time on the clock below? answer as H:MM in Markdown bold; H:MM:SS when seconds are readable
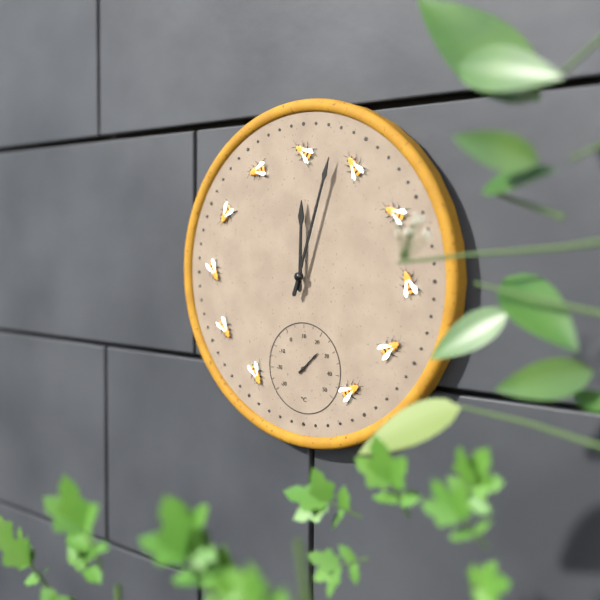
**12:03**
